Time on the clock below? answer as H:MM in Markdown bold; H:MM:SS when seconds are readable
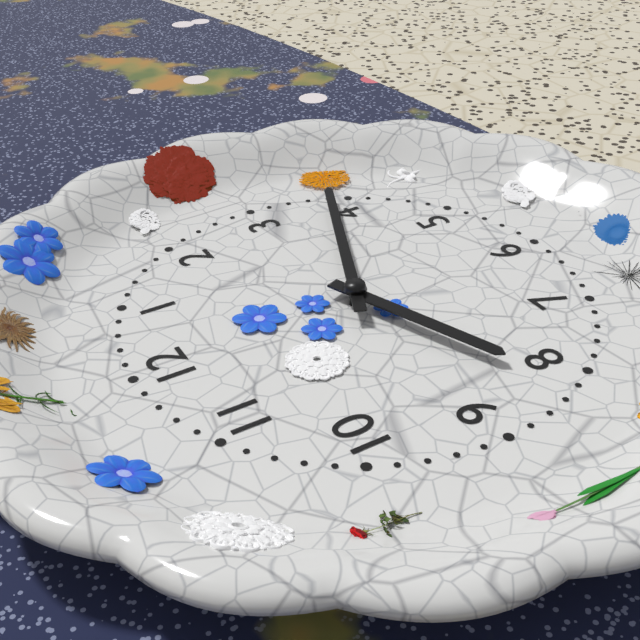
**8:19**
